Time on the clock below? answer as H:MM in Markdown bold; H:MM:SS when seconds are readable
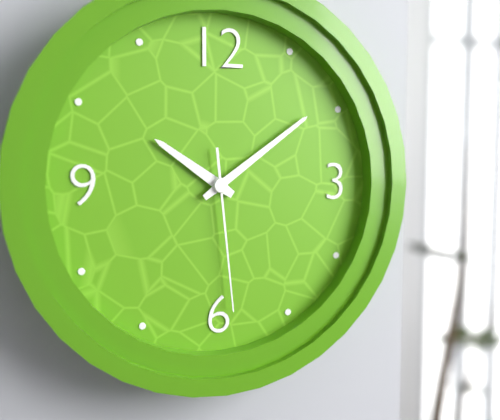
**10:09:29**
